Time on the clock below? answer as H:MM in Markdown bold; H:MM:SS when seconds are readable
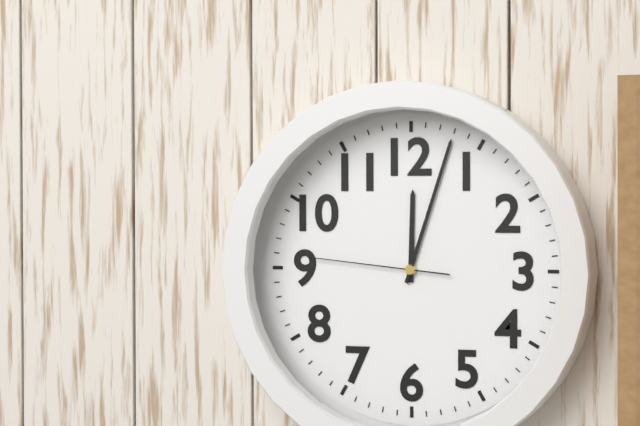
**12:03:46**
